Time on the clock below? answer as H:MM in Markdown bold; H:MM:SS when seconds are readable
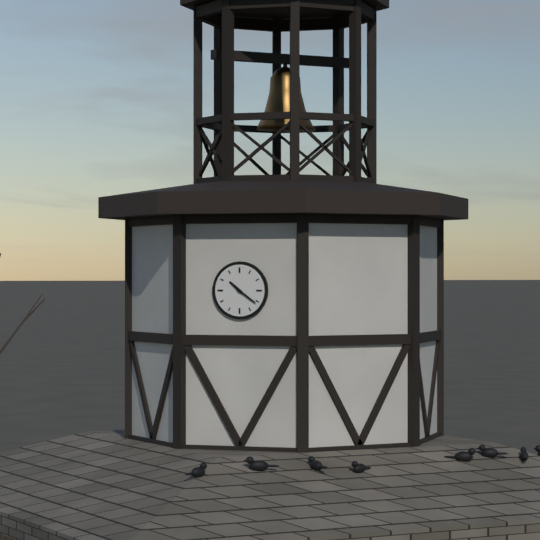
**10:21**
